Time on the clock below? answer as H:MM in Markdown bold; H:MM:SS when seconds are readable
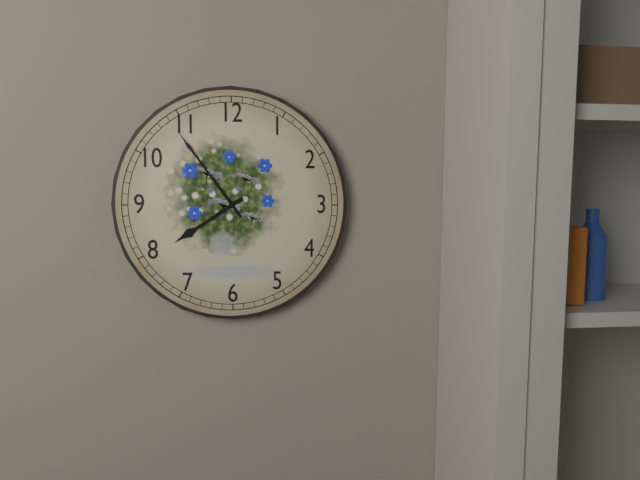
**7:54**
